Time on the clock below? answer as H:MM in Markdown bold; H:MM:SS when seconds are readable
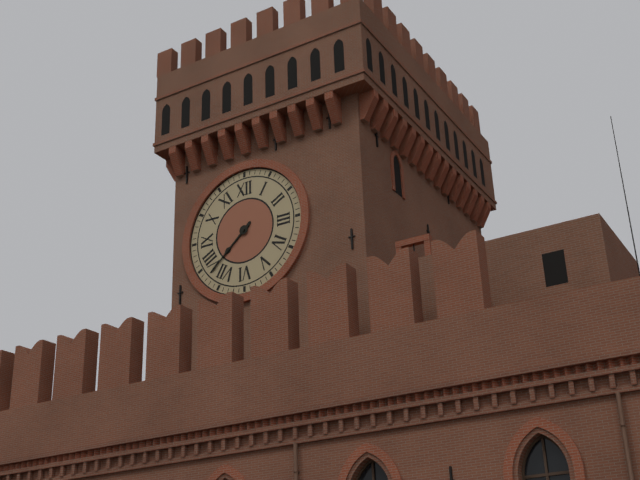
**7:38**
